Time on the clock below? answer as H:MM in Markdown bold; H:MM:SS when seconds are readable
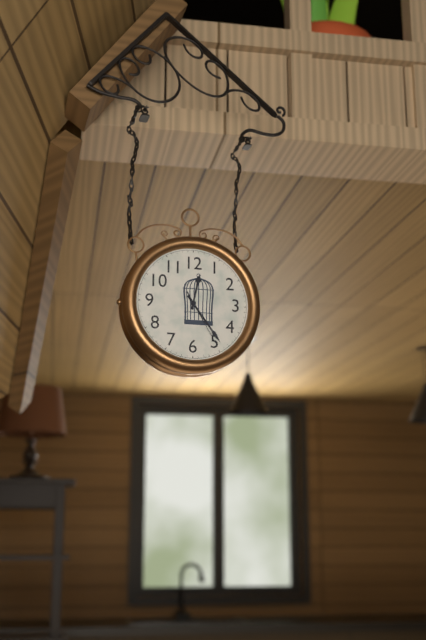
**12:24:25**
